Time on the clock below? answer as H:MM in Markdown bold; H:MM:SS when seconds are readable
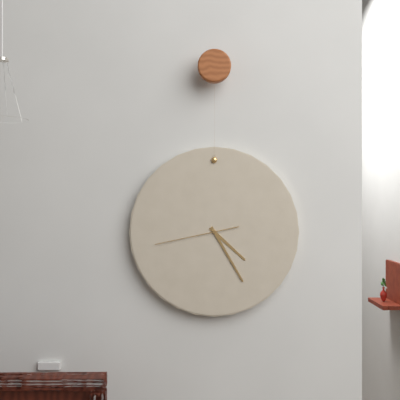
**4:25:43**
